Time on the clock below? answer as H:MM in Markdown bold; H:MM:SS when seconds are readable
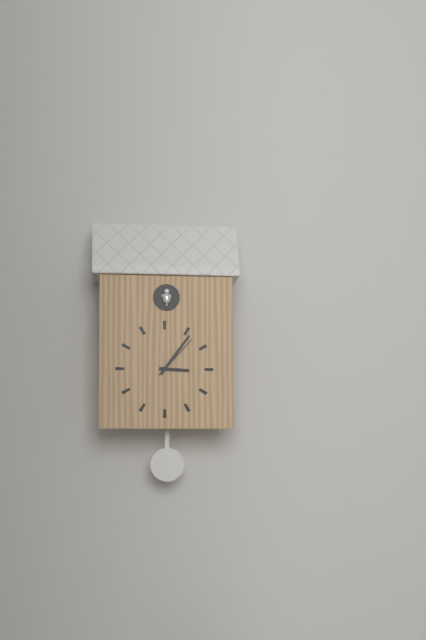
**3:06:07**
